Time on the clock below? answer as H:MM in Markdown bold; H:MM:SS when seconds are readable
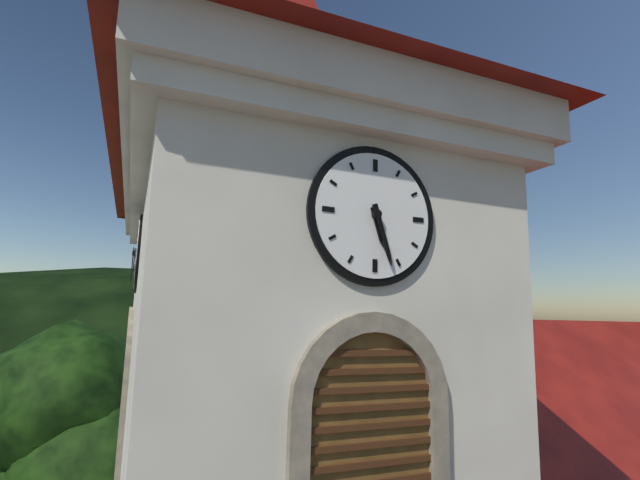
**5:27**
